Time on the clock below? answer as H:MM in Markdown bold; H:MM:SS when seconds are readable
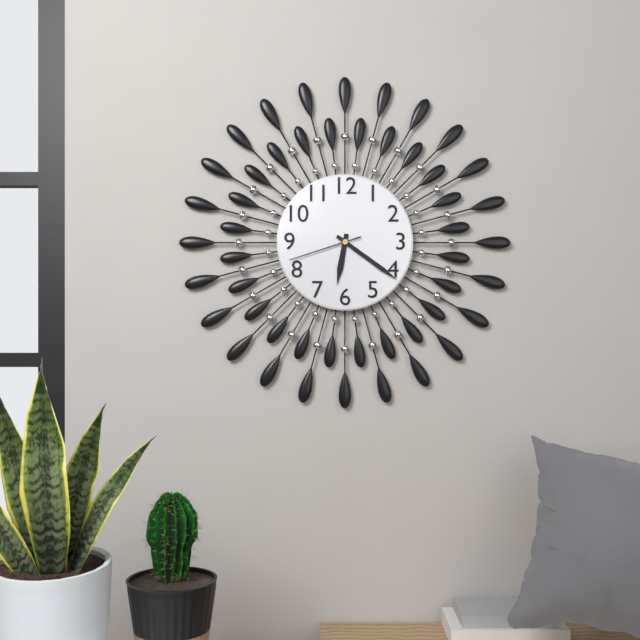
**6:21:42**
